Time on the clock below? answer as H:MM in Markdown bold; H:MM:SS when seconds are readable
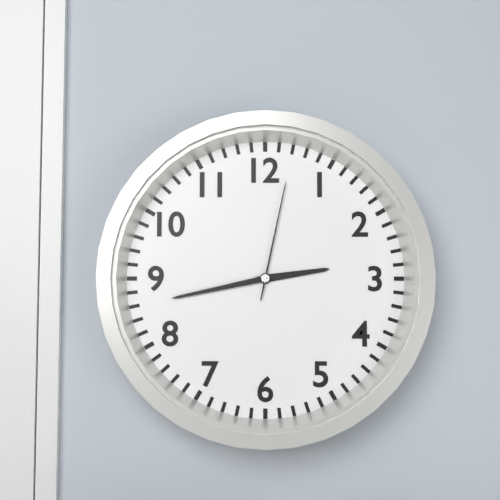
**2:43:02**
